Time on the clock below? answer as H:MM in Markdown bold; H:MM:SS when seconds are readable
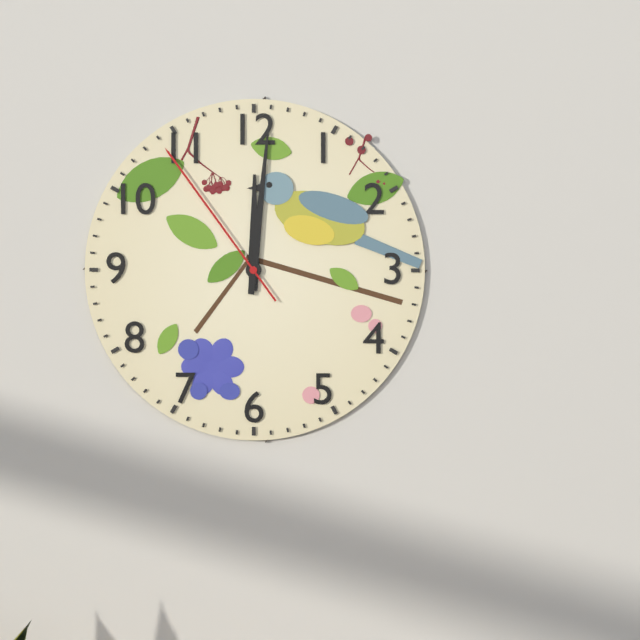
**12:01:54**
